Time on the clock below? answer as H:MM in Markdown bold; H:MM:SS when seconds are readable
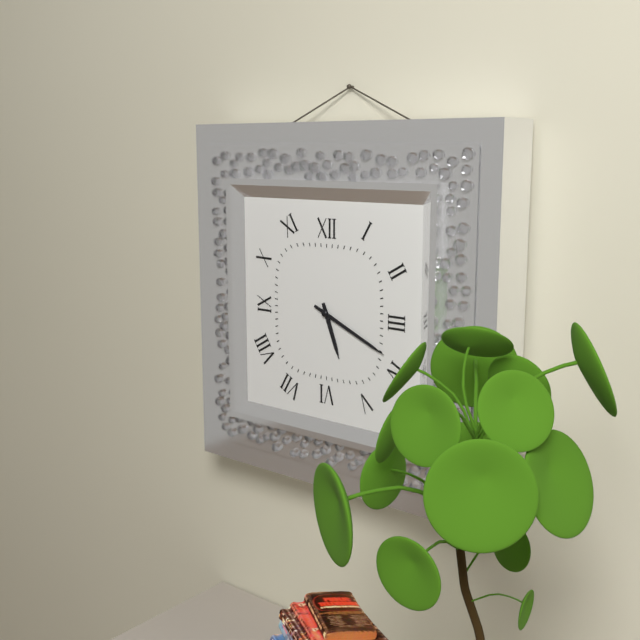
**5:19**
